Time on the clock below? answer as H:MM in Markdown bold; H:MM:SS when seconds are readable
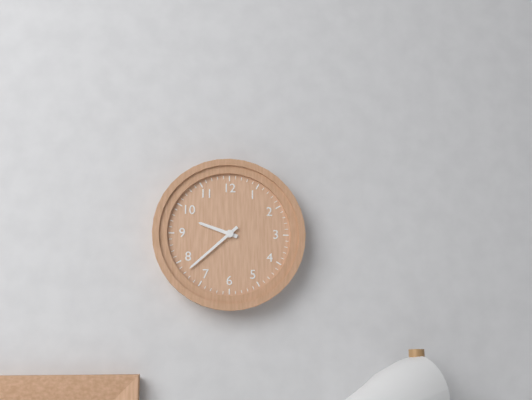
**9:38**
